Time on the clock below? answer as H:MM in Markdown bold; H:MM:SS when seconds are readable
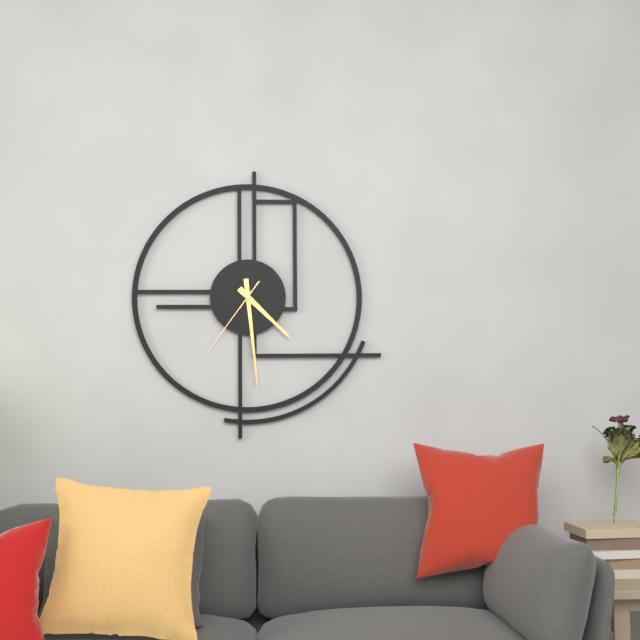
**4:29:36**
